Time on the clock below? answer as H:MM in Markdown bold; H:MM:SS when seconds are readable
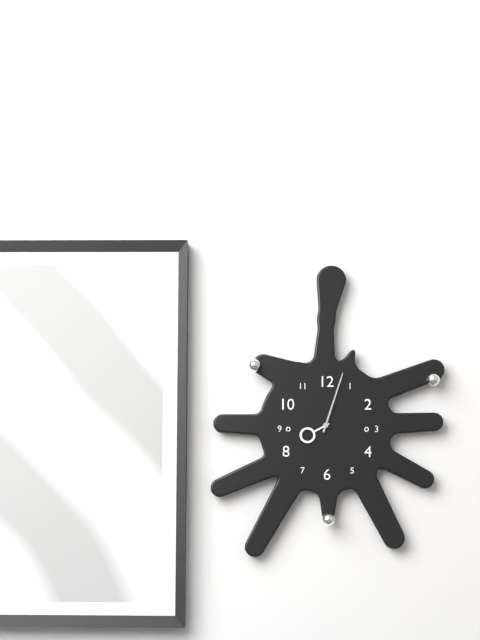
**8:03**
